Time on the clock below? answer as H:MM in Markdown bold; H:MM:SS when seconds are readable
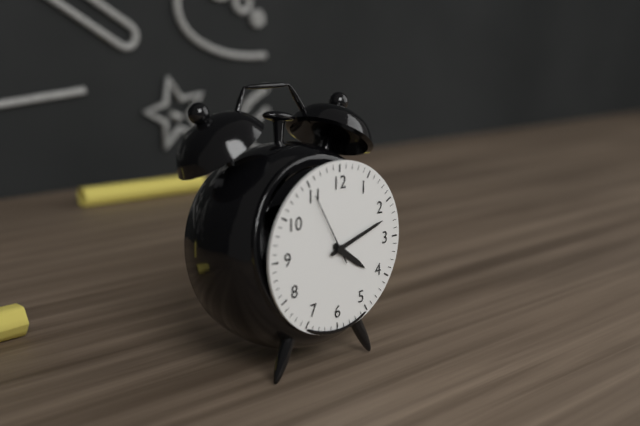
**4:12:55**
